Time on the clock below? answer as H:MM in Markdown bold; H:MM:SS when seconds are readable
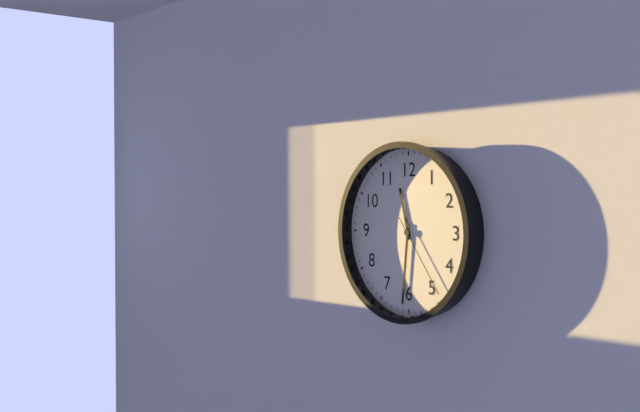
**11:31:24**
